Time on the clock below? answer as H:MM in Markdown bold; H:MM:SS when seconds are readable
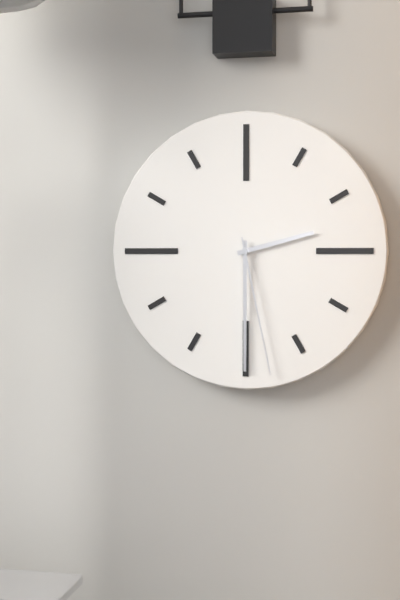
**2:30:28**
